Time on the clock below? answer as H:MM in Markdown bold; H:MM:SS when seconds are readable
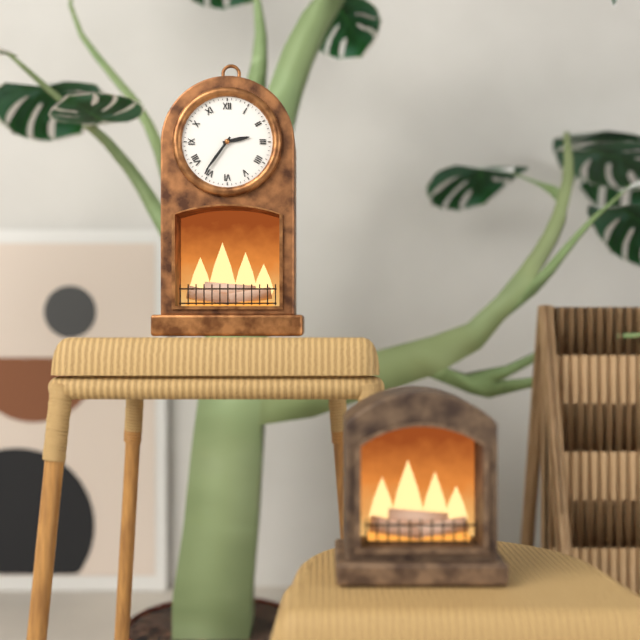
**2:36**
